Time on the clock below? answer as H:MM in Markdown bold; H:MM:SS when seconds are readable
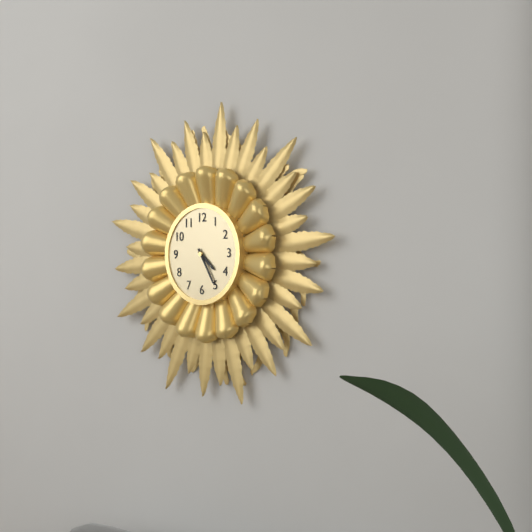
**4:25**
